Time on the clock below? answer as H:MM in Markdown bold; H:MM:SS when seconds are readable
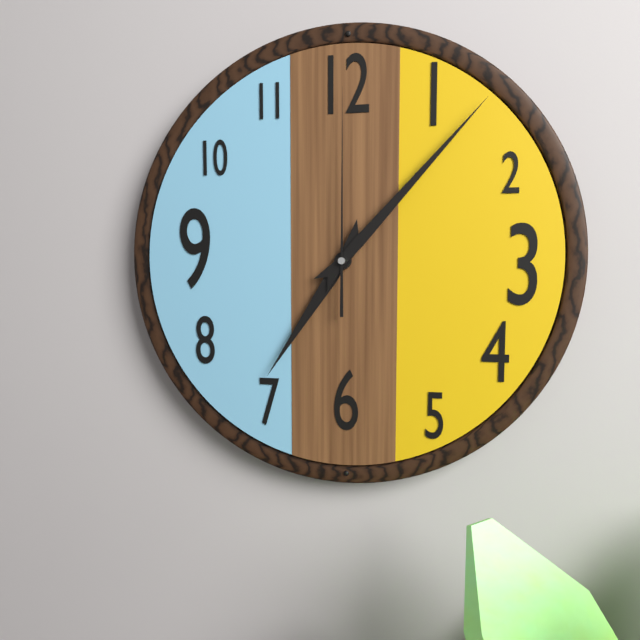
**7:07:00**
